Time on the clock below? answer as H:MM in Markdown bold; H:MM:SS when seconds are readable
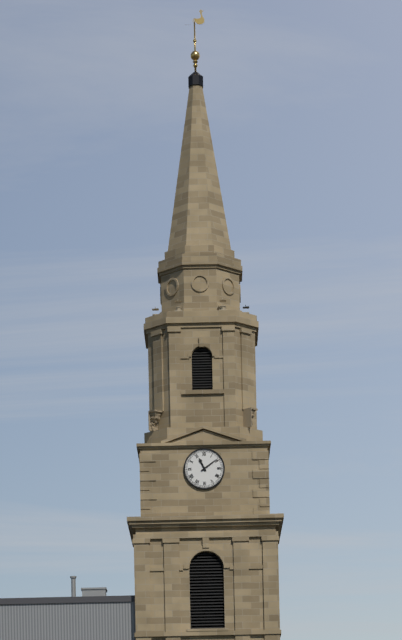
**11:09**
